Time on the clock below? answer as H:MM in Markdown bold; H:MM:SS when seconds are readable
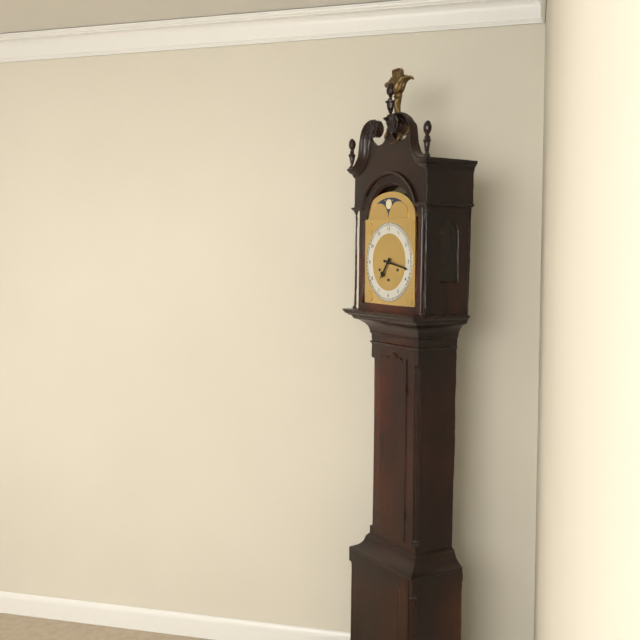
**7:17**
